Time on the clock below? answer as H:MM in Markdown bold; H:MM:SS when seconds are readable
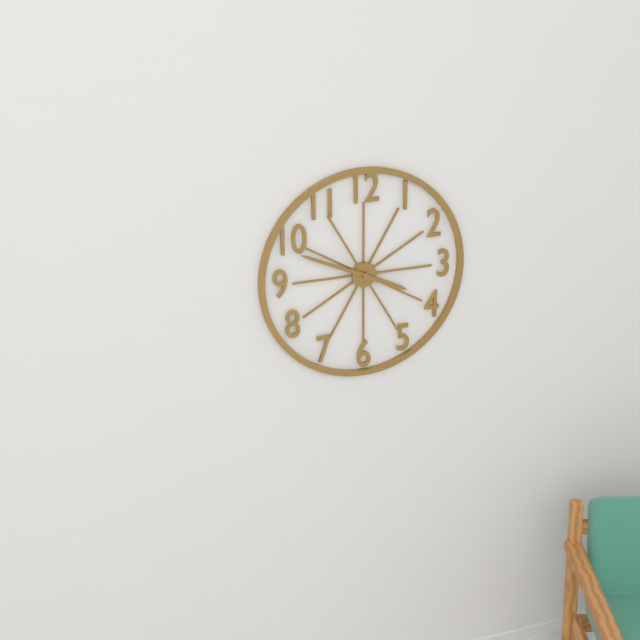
**3:49**
